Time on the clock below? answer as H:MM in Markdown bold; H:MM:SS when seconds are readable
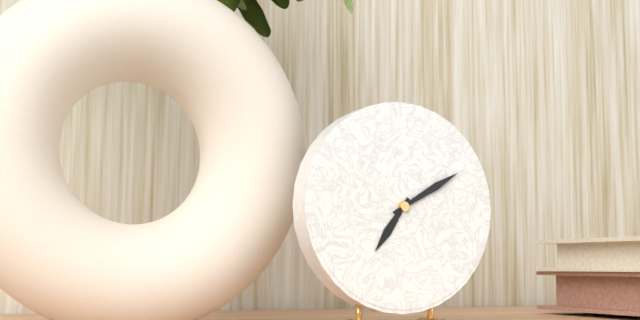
**7:10**
